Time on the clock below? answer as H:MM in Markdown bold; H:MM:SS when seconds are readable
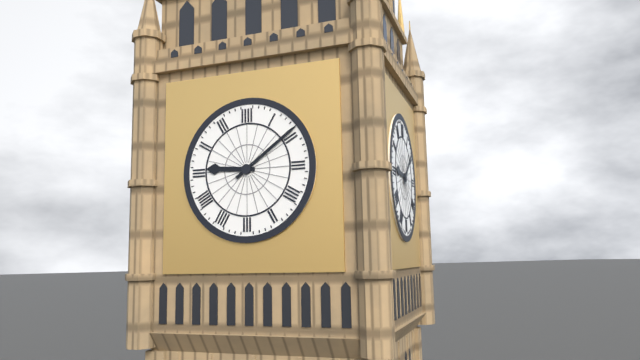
**9:09**
